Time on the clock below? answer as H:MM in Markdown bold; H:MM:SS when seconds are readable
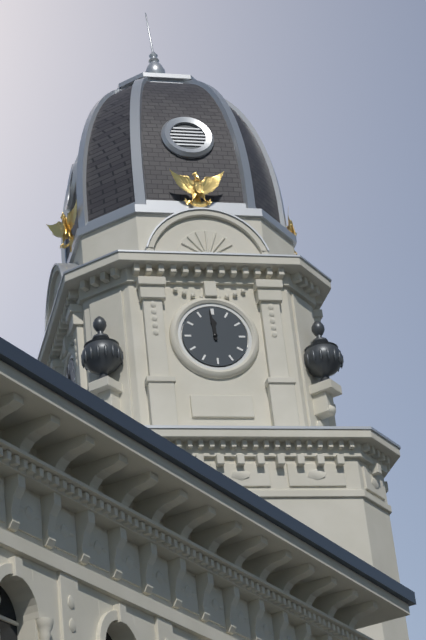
**11:59**
